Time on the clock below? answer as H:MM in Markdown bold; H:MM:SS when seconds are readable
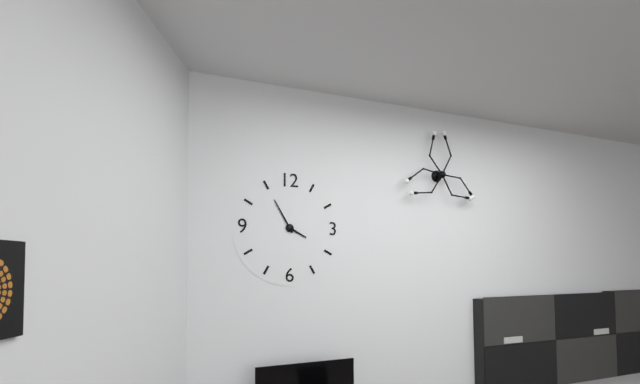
**3:55**
